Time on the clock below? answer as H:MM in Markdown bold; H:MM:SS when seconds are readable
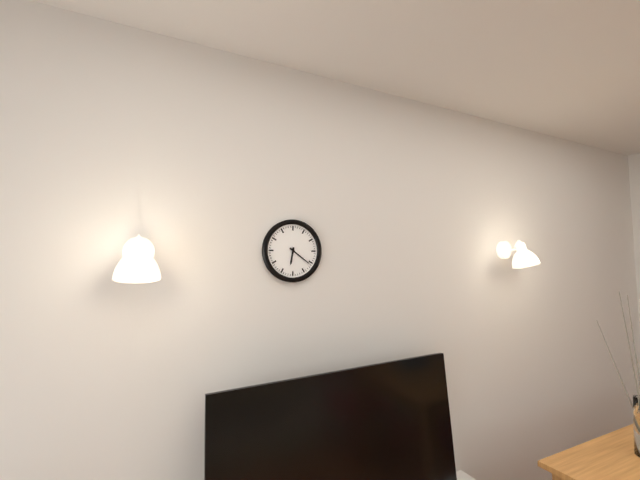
**6:21**
